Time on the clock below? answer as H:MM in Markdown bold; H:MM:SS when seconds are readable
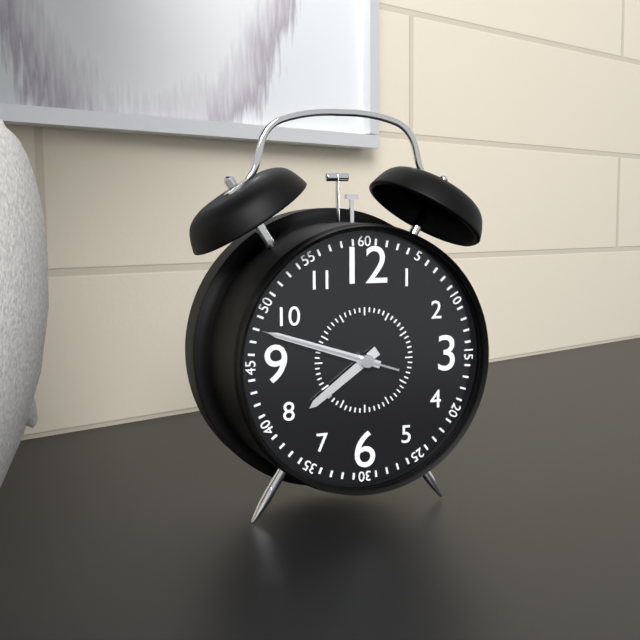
**7:48:48**
